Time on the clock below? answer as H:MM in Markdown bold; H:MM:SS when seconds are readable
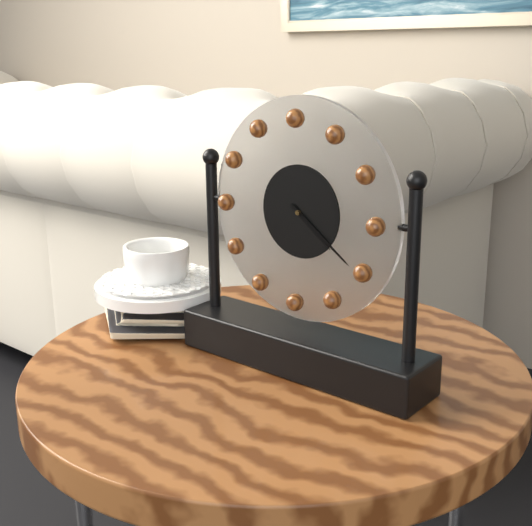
**4:21**
